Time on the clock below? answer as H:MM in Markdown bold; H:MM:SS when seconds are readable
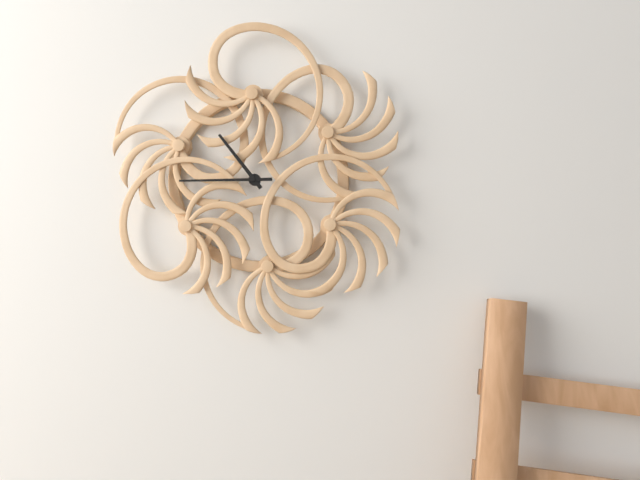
**10:45**
